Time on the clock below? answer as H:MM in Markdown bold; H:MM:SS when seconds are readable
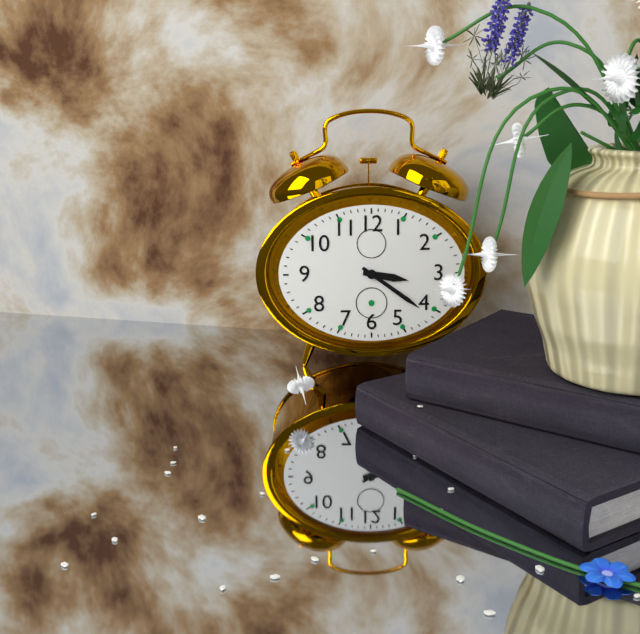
**3:21**
